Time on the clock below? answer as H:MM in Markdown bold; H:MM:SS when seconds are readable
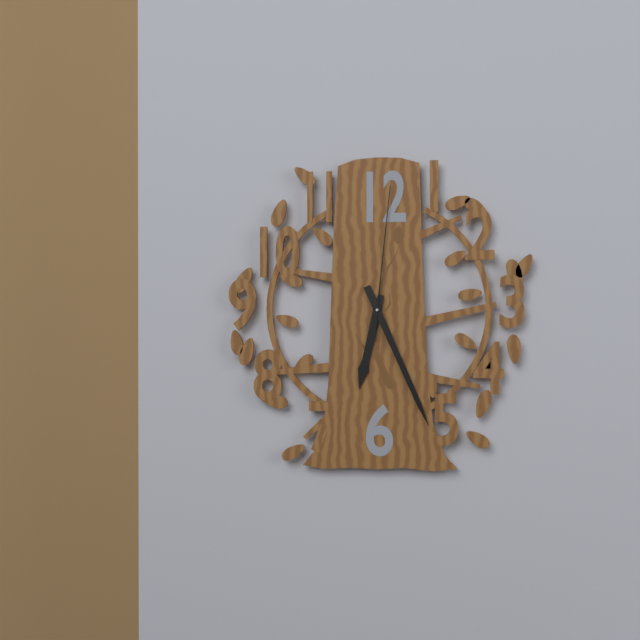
**6:26:01**
